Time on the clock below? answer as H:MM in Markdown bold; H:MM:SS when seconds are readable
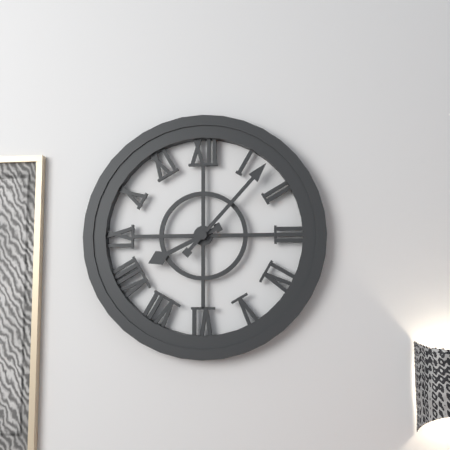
**8:07**
